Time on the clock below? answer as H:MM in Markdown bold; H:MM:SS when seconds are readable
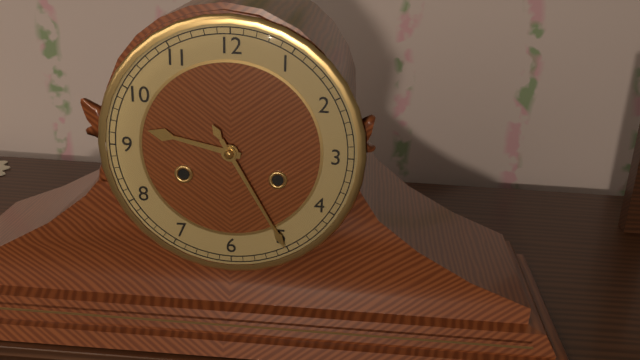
**9:25**
